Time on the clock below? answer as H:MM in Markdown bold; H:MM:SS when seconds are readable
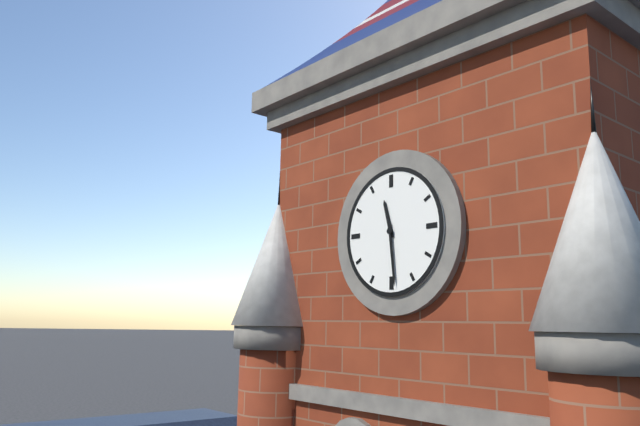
**11:29**
